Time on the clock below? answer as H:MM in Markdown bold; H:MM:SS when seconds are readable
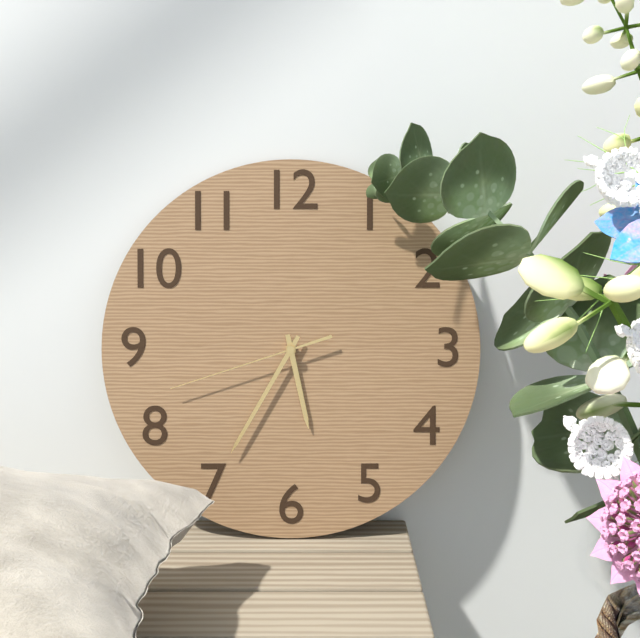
**5:35:42**
